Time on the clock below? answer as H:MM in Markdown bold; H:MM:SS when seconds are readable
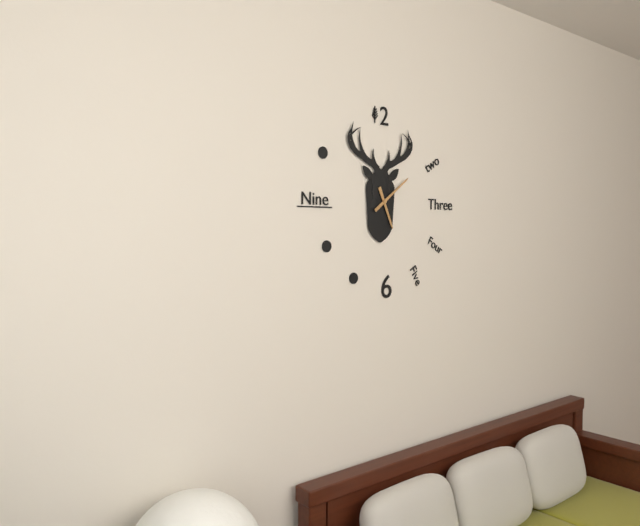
**5:09**
